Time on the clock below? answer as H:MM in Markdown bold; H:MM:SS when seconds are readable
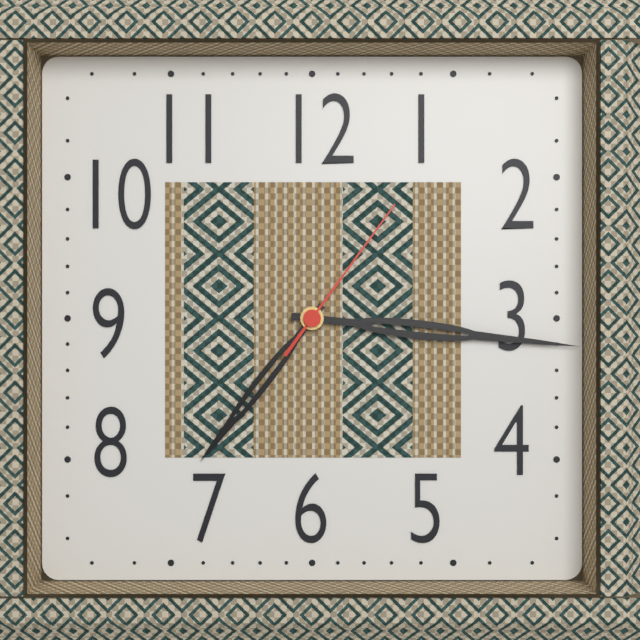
**7:16:06**
